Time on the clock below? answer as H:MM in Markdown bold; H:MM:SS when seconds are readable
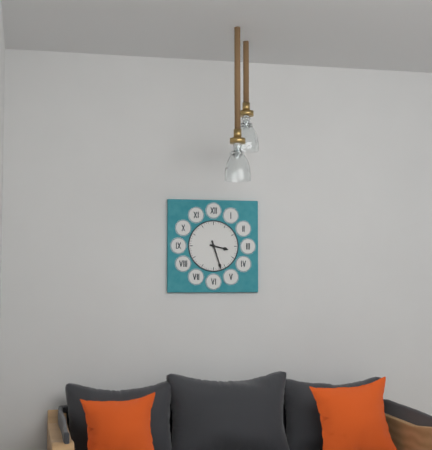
**3:27**
